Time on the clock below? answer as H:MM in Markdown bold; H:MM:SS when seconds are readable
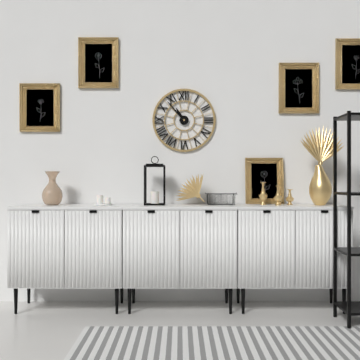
**10:53**
